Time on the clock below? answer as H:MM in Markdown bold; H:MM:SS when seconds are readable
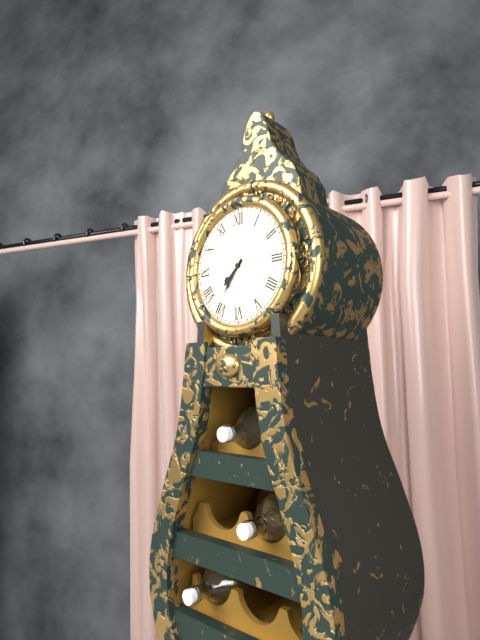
**7:36**
